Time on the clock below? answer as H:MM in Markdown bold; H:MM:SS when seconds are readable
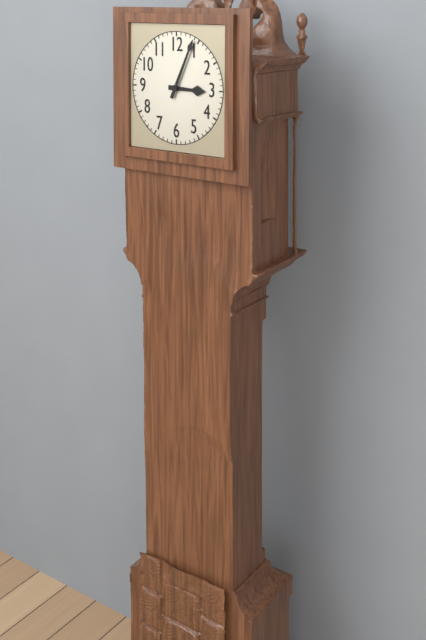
**3:04**
